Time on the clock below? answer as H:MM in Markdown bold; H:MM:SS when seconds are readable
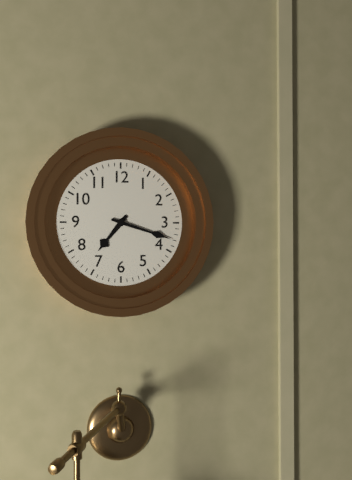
**7:18**
